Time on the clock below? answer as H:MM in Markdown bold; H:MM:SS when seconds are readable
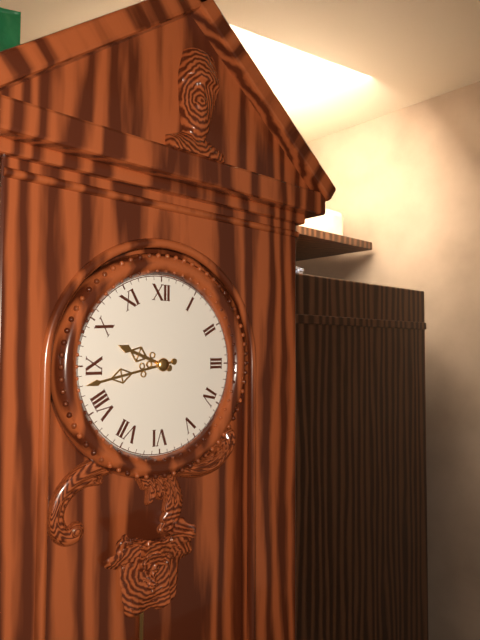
**9:43**
